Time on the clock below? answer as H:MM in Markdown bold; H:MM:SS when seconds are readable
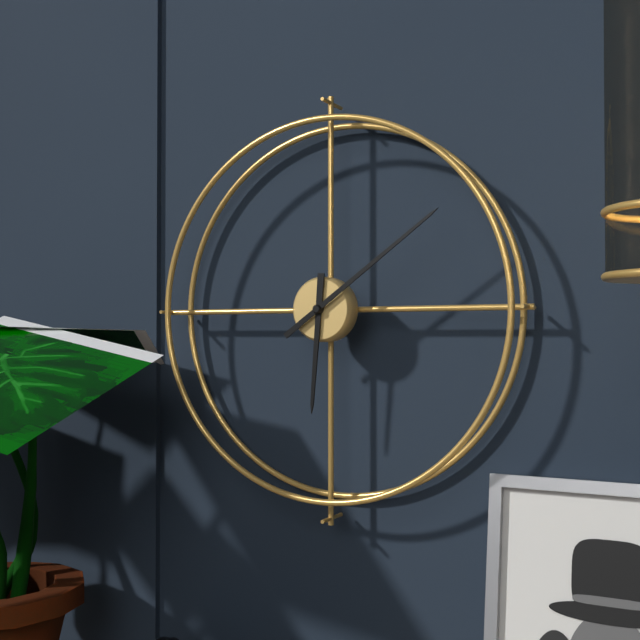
**6:09**
